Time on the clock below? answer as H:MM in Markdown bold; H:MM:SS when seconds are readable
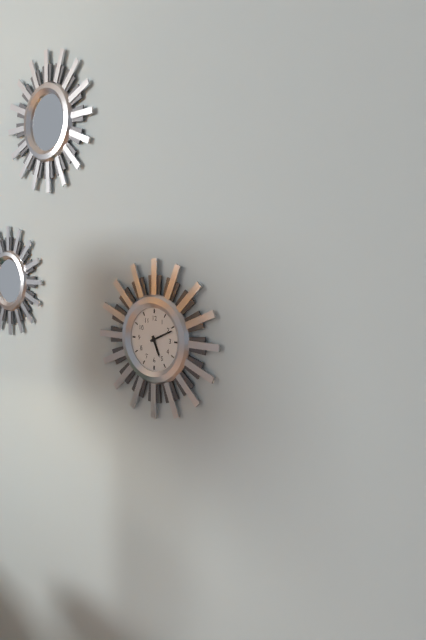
**5:11**
